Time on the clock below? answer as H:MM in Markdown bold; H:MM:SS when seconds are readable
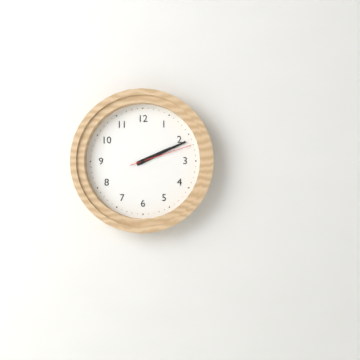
**2:11:12**
